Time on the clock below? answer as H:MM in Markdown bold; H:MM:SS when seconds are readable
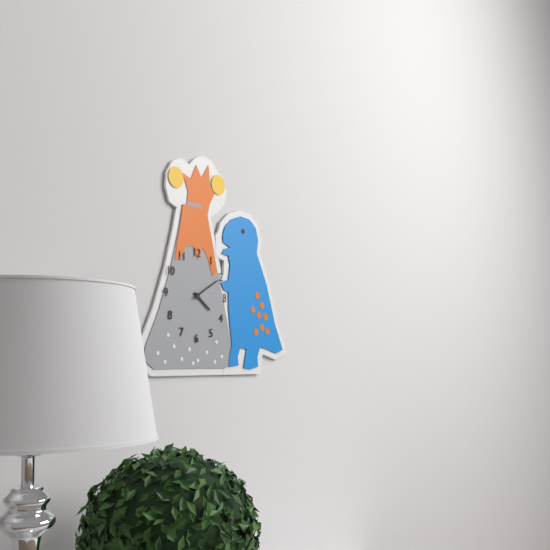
**4:10**
